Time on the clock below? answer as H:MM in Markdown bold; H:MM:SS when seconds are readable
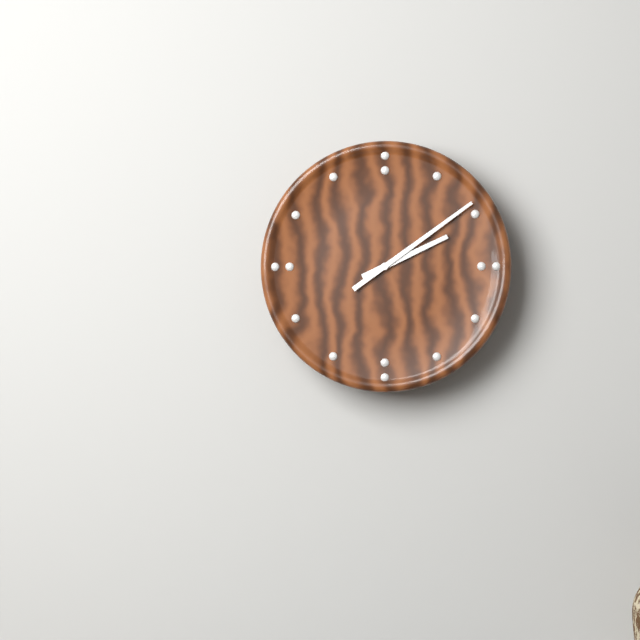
**2:09**
